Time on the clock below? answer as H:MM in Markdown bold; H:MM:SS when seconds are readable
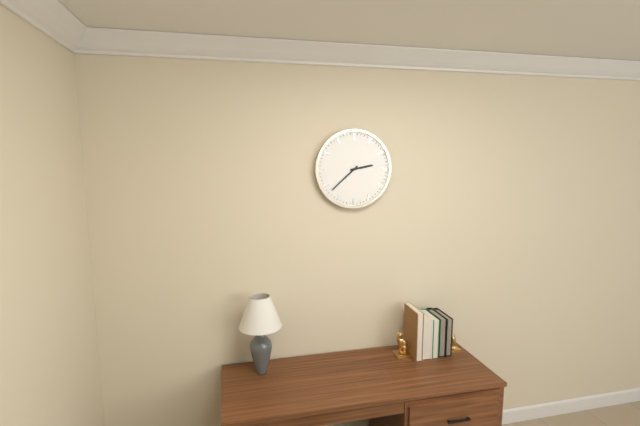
**2:38**
